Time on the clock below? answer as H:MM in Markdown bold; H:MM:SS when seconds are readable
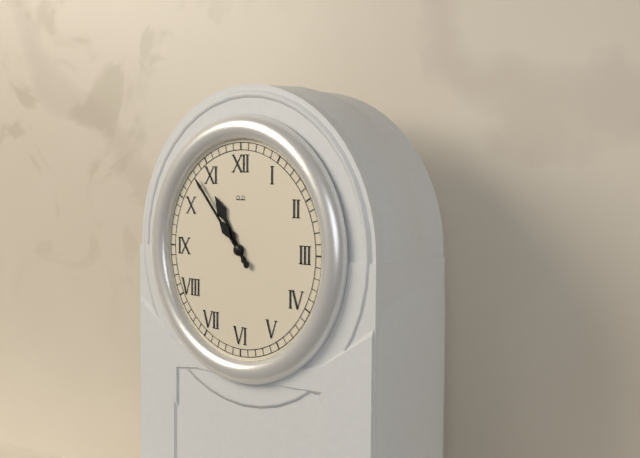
**10:53**
